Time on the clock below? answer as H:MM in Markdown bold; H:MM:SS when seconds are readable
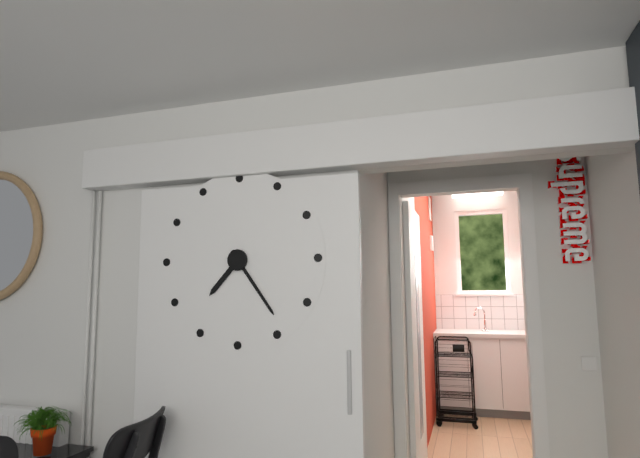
**7:24**
